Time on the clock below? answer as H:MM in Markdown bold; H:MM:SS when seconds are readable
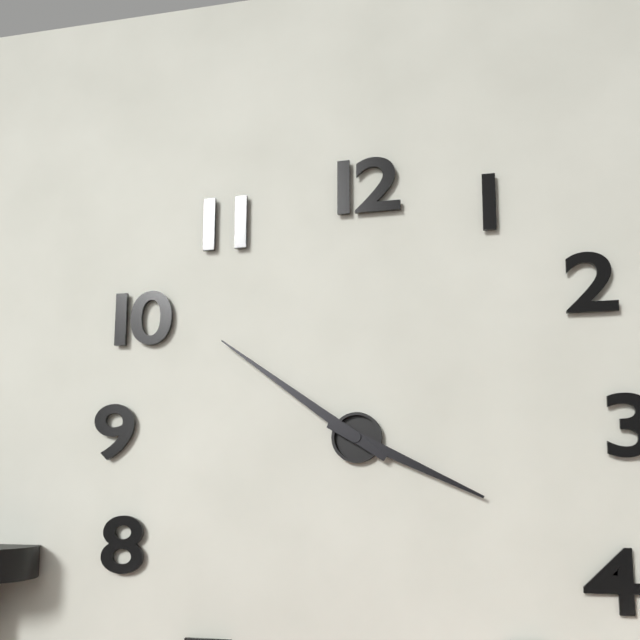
**3:51**
